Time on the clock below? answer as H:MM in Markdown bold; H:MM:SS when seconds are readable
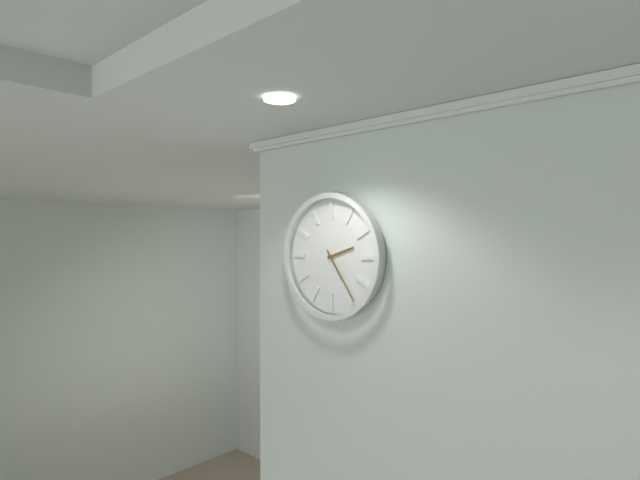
**2:24**
